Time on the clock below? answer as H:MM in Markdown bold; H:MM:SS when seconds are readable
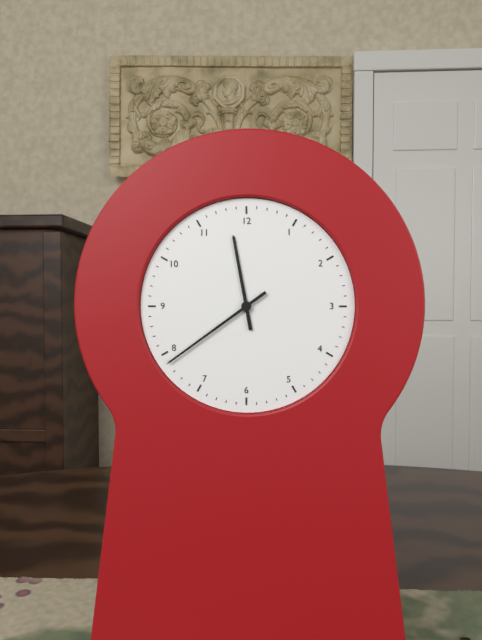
**11:39**
